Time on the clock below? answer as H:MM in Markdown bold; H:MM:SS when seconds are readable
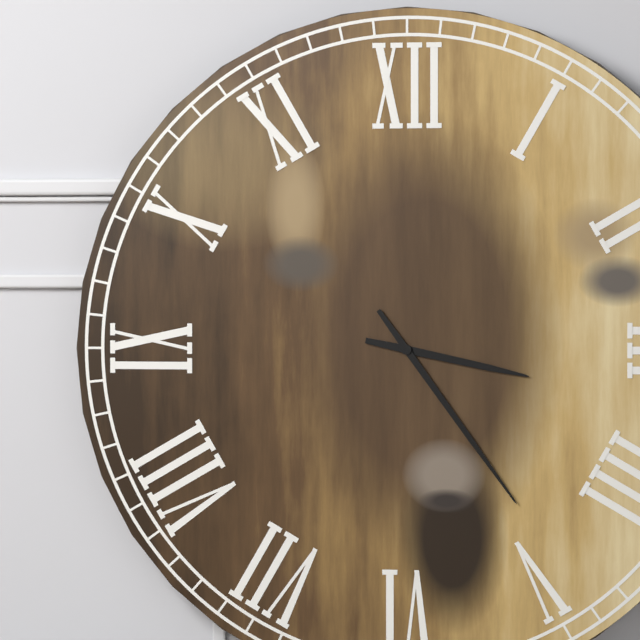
**3:24**
